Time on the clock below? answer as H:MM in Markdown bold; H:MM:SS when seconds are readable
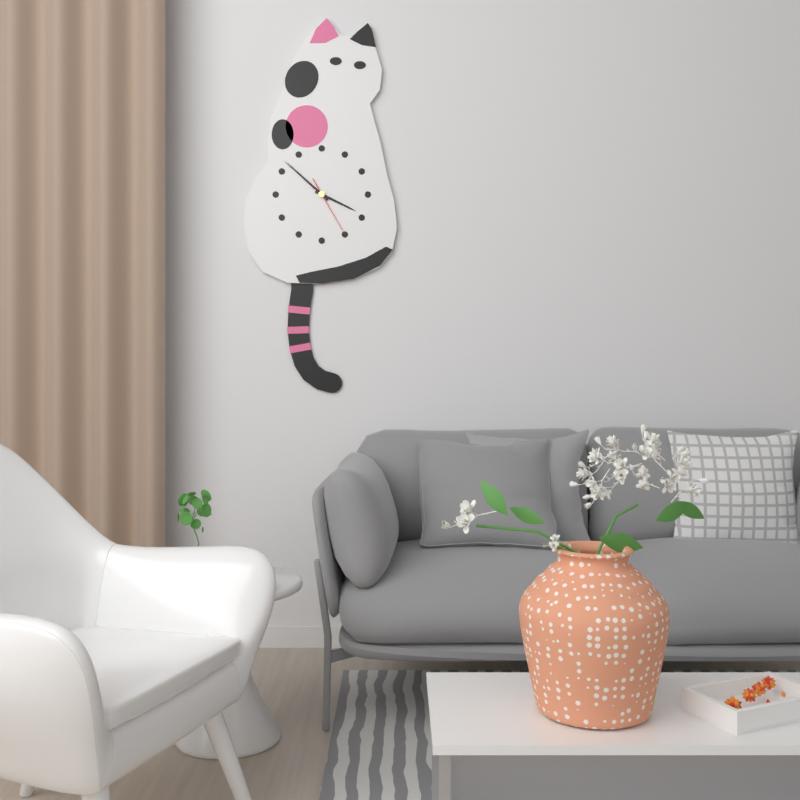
**3:52:25**
